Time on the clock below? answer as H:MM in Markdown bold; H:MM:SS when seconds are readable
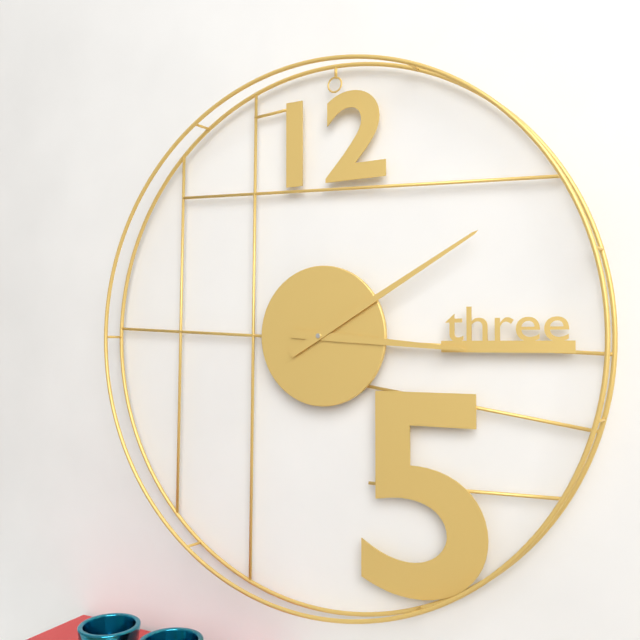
**3:10**
